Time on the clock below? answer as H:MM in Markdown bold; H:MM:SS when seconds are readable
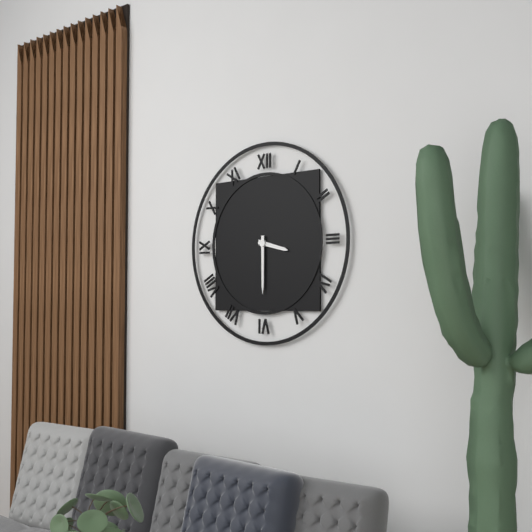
**3:30**
